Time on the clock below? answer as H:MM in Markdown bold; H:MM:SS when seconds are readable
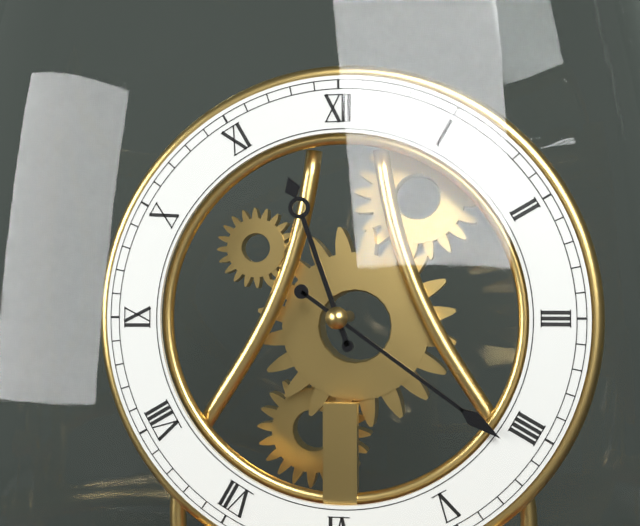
**11:21**
